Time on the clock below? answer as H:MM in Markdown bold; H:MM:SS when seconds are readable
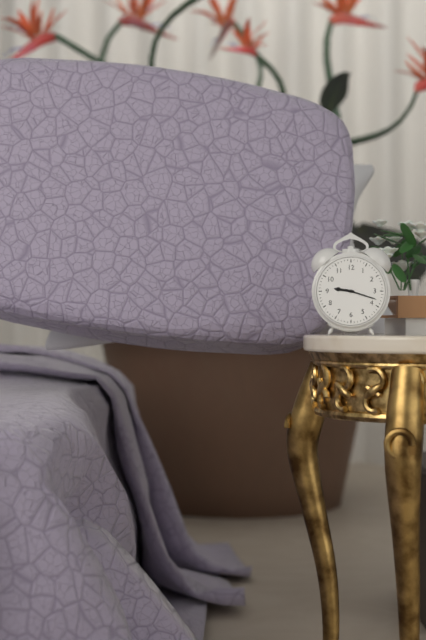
**9:18**
